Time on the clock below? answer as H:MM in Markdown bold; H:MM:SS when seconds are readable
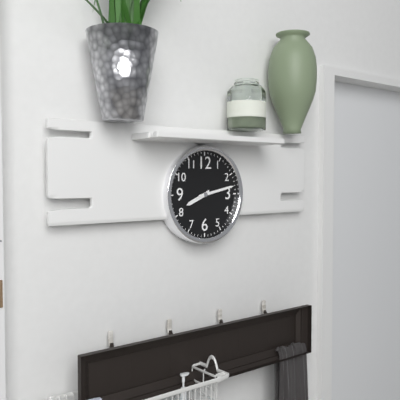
**8:13**
